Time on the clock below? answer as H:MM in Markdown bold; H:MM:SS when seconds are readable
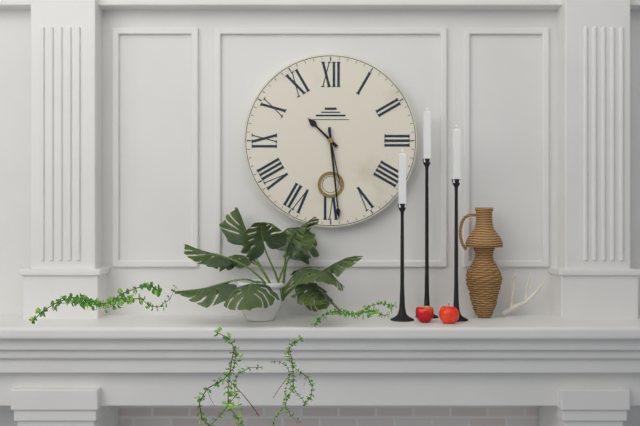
**10:29:28**
